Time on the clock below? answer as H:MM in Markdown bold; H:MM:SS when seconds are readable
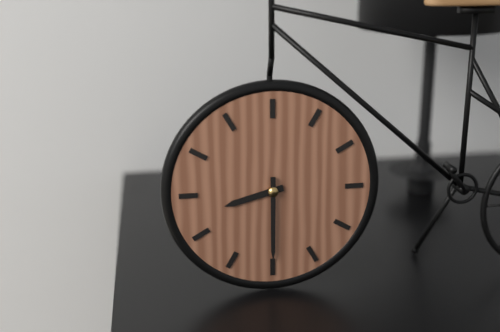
**8:30**
